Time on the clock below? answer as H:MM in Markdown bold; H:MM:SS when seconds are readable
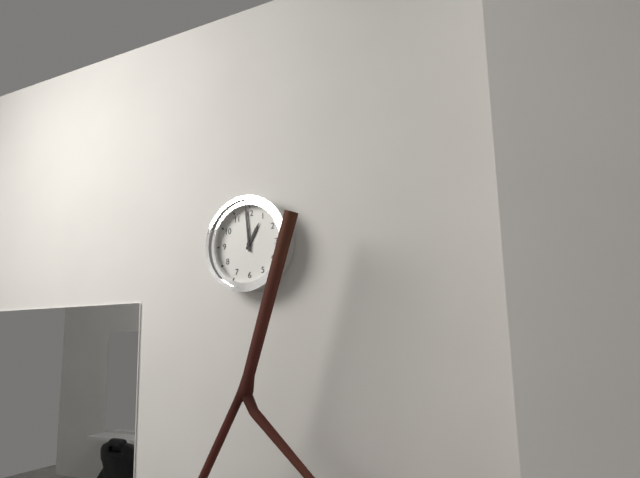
**12:59**
